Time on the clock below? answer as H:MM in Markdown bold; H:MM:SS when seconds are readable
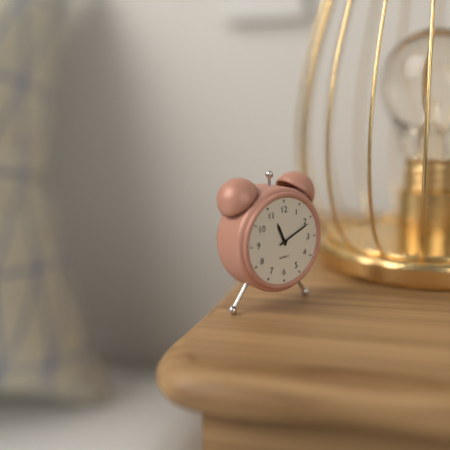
**11:11**
